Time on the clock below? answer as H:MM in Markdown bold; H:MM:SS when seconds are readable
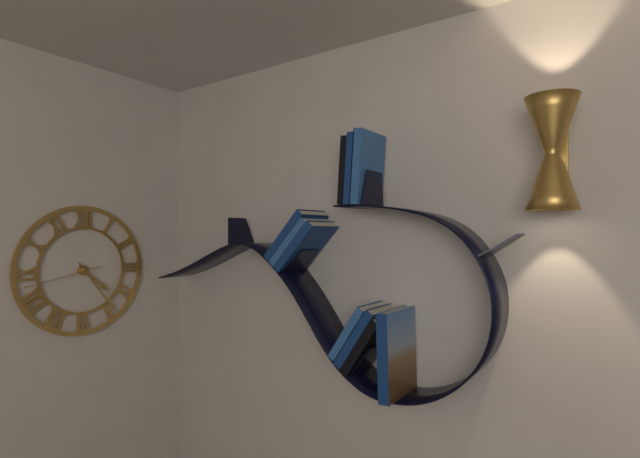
**4:24:43**
